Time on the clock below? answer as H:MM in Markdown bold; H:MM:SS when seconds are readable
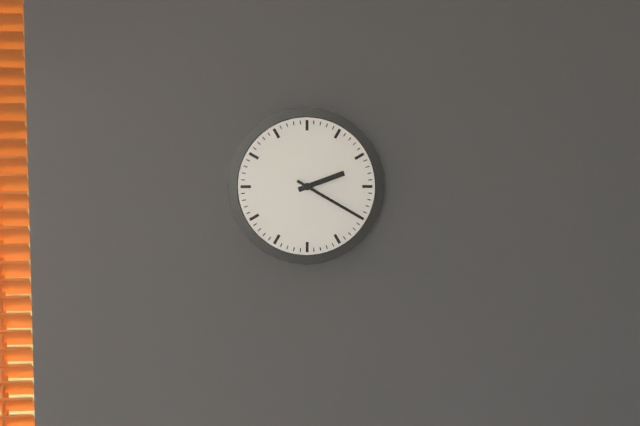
**2:20**
